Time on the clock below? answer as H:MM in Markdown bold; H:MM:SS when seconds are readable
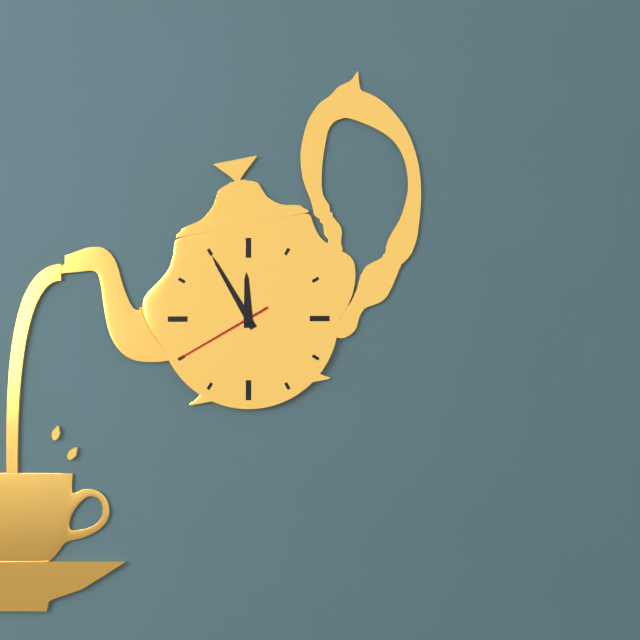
**11:55:40**
